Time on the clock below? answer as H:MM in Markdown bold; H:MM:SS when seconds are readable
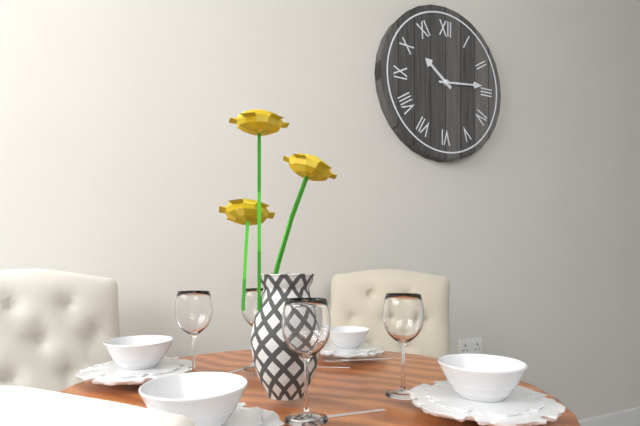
**10:14**
